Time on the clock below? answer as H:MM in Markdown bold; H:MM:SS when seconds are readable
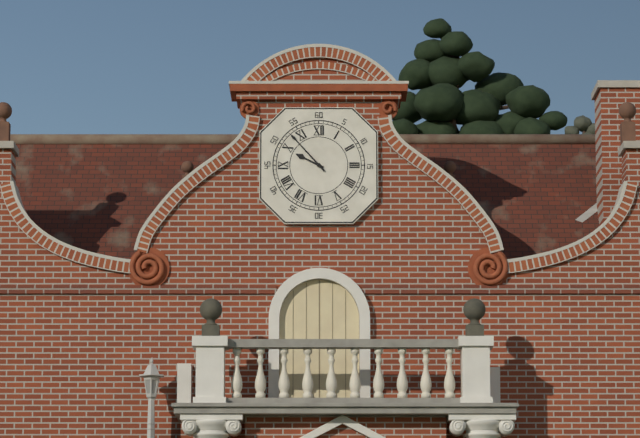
**9:53**
